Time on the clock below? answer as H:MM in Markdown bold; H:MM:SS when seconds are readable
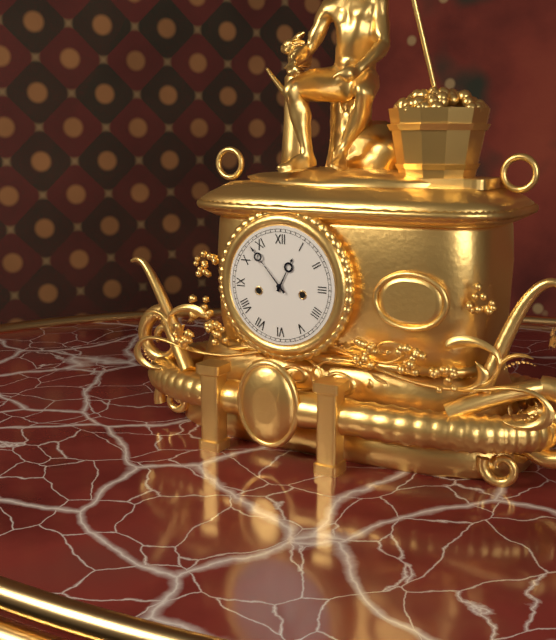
**12:53**
